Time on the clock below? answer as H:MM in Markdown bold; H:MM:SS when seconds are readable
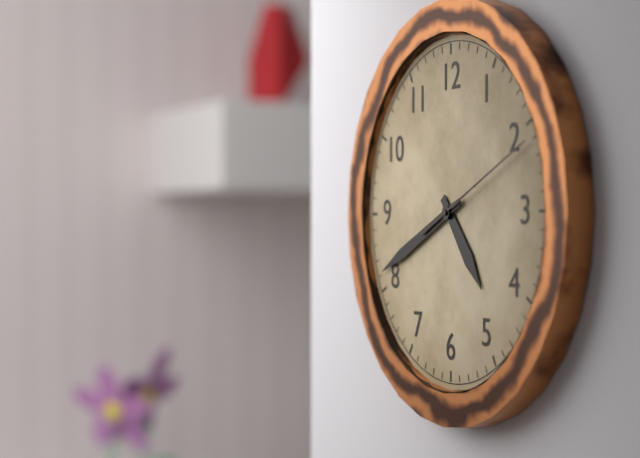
**4:41:11**
